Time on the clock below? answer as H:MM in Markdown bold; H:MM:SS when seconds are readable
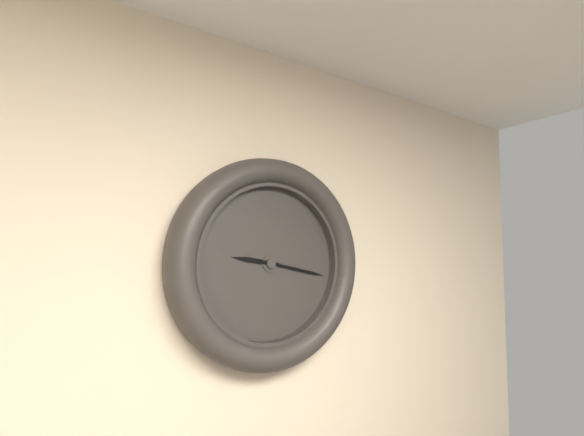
**9:17**
